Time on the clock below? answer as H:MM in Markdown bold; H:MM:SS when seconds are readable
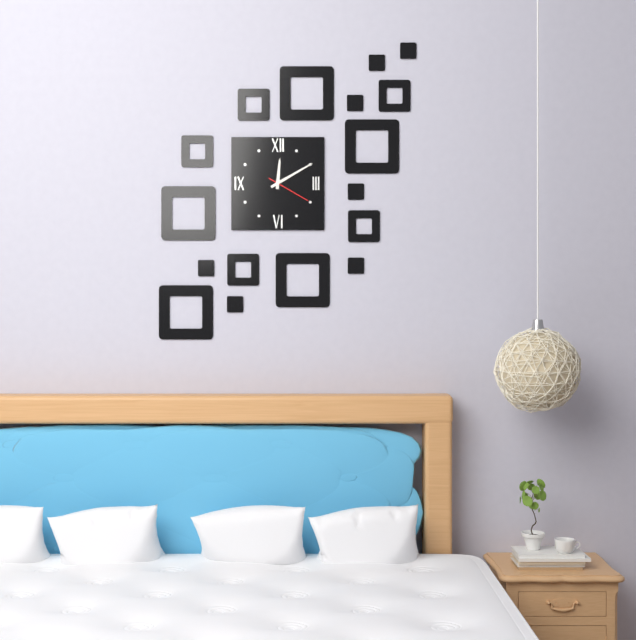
**12:10**
